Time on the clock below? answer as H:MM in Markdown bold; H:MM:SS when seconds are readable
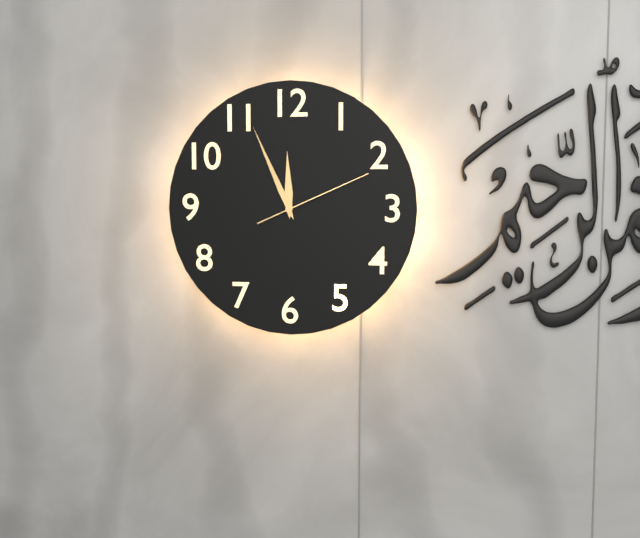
**11:56:11**
